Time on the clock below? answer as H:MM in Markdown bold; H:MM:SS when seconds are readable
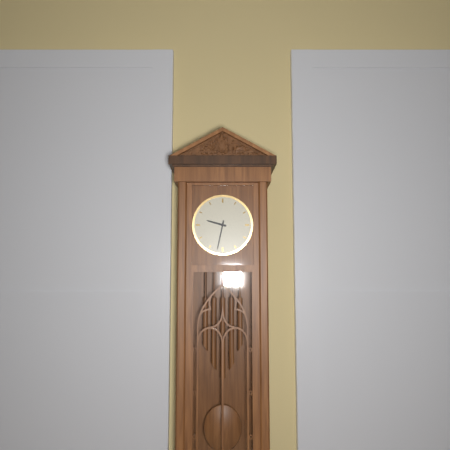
**9:32**
